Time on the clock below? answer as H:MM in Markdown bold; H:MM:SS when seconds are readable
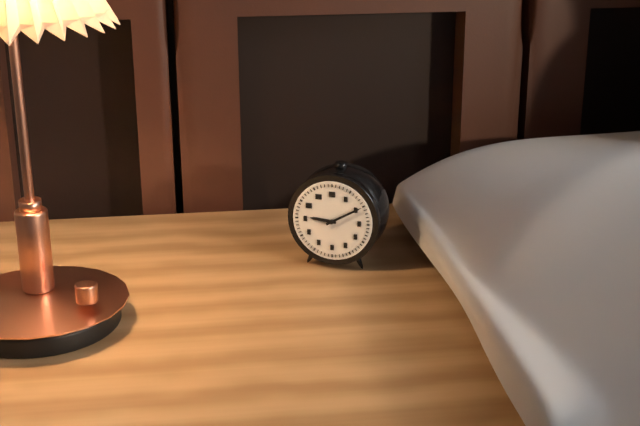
**9:10**
